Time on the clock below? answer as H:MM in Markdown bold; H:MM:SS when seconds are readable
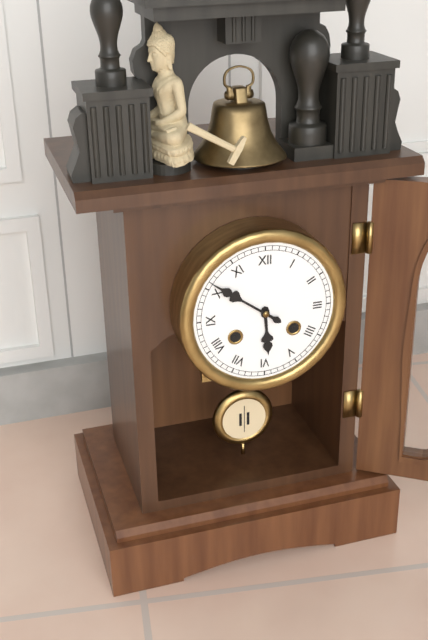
**5:51**
